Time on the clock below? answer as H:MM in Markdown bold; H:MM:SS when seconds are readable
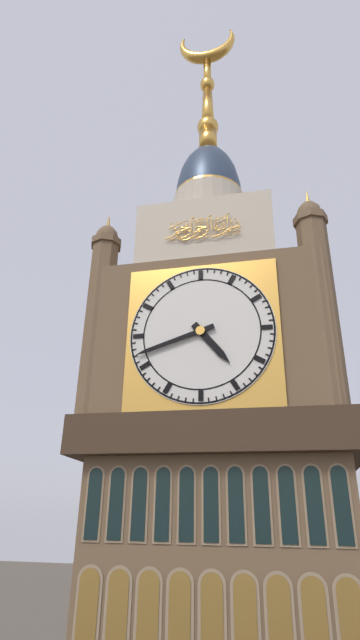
**4:42**
